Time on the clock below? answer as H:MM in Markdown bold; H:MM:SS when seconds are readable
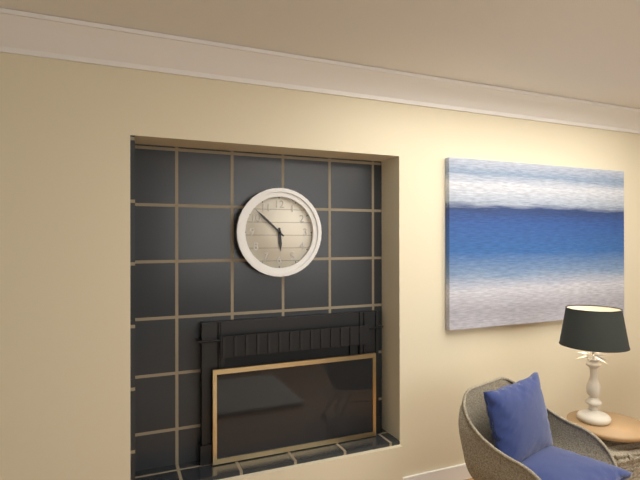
**5:52**
